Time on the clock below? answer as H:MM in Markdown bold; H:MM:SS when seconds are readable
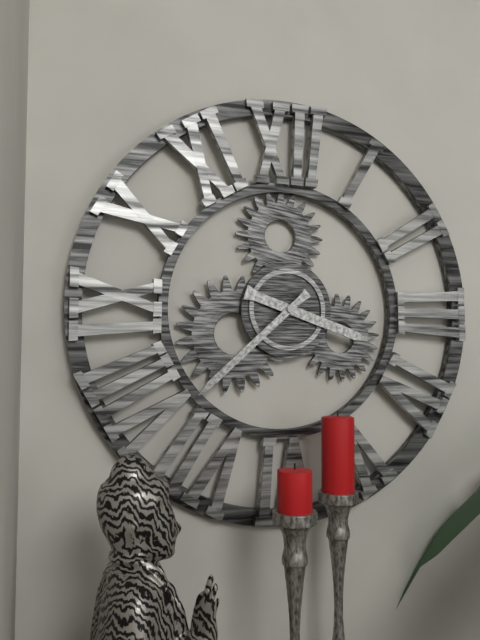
**3:38**
